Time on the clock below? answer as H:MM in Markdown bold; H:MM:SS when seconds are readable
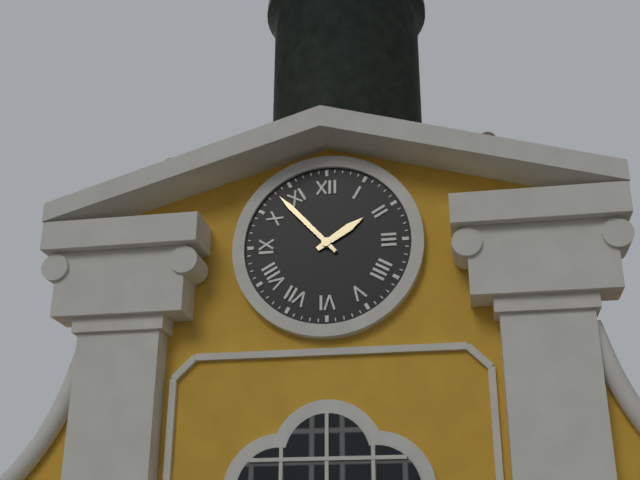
**1:53**
